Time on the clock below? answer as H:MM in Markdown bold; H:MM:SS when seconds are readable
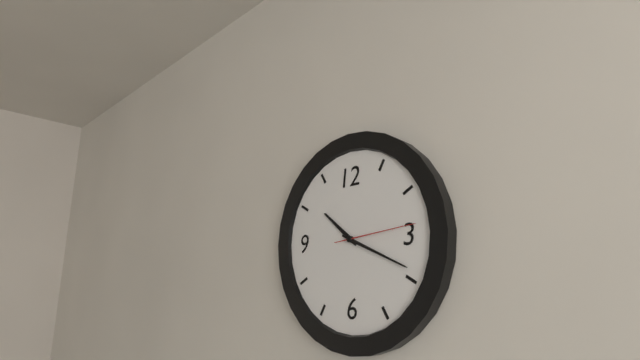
**10:19:14**
